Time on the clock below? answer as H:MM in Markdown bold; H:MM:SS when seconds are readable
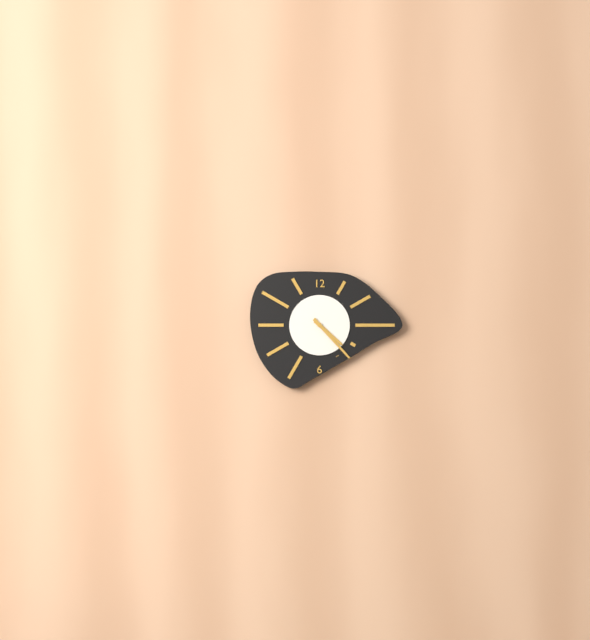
**4:23**
